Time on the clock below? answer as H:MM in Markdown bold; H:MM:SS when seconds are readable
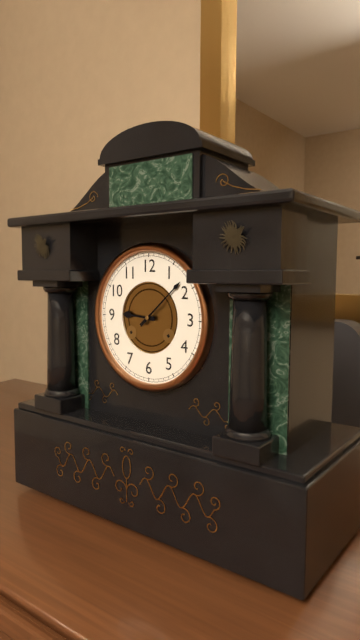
**9:08**
